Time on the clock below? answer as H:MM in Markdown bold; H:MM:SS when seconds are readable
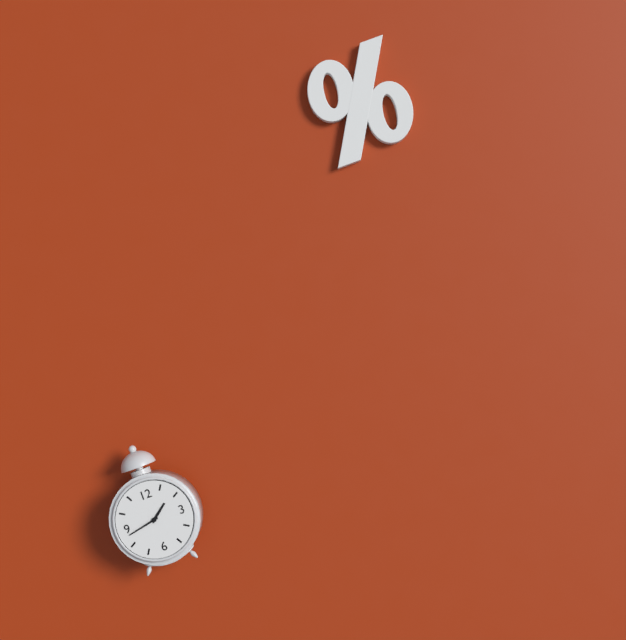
**1:43**
